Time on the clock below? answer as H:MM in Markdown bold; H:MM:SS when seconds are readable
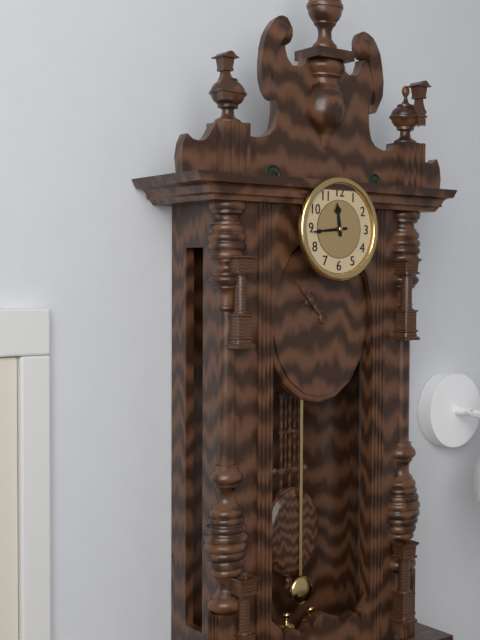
**11:44**
